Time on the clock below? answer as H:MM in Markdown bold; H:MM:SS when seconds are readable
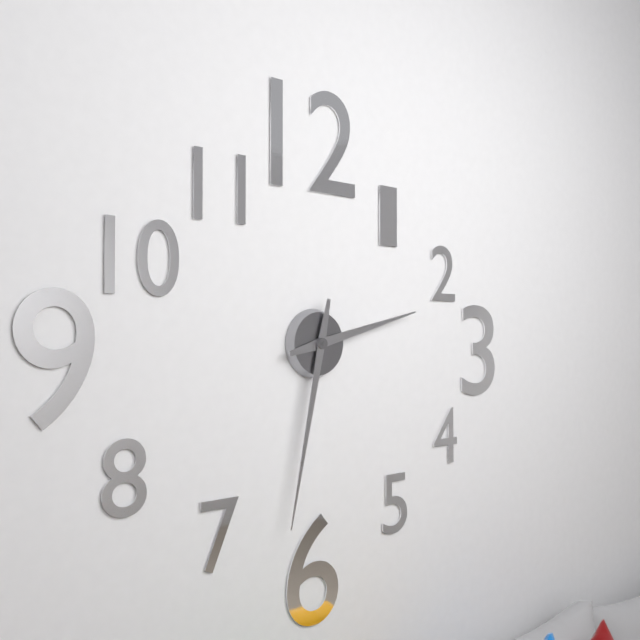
**2:32**
